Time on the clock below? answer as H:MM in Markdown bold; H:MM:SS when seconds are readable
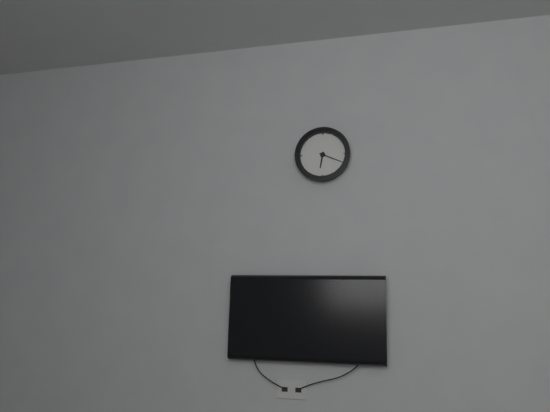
**6:19**
